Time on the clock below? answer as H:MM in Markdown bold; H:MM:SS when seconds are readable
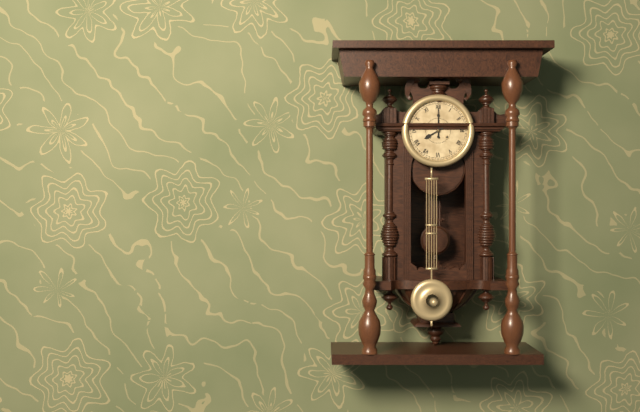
**8:00**
